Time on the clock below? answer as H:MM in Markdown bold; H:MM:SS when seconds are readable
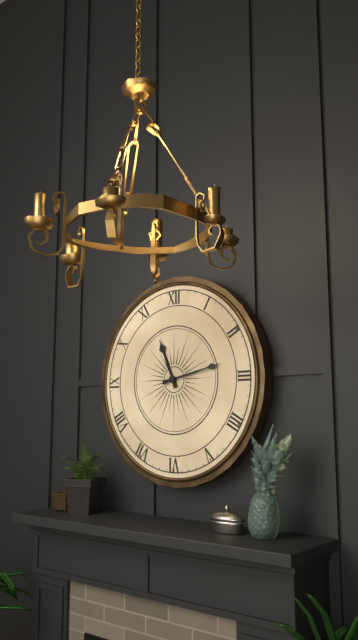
**11:13**
